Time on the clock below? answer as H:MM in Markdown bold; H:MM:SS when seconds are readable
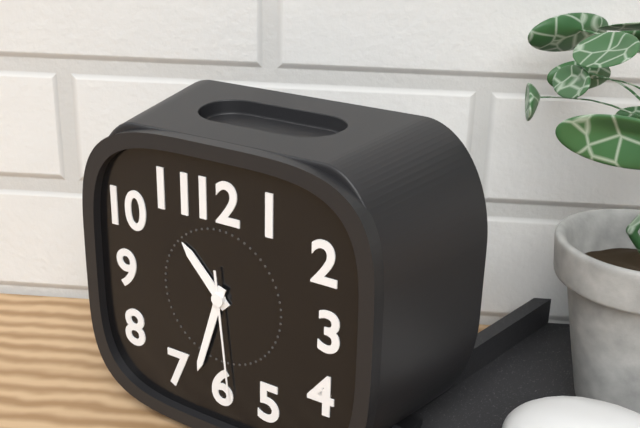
**10:33:29**
